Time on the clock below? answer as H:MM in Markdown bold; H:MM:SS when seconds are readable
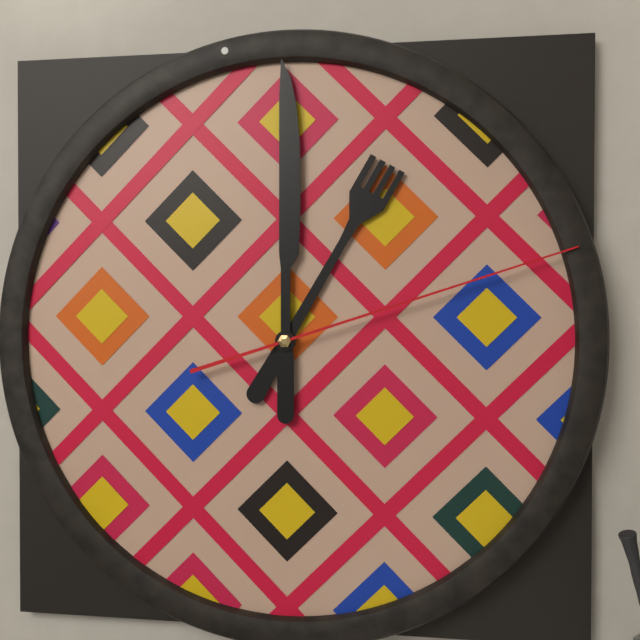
**1:00:12**
